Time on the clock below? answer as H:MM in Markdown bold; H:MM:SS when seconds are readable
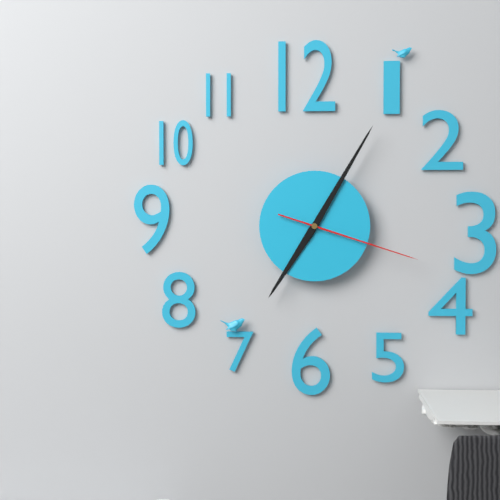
**7:05:18**
